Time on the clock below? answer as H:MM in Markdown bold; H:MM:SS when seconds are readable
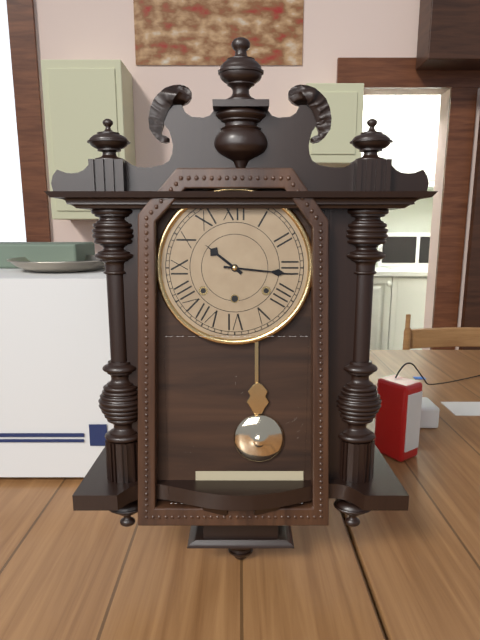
**10:16**
